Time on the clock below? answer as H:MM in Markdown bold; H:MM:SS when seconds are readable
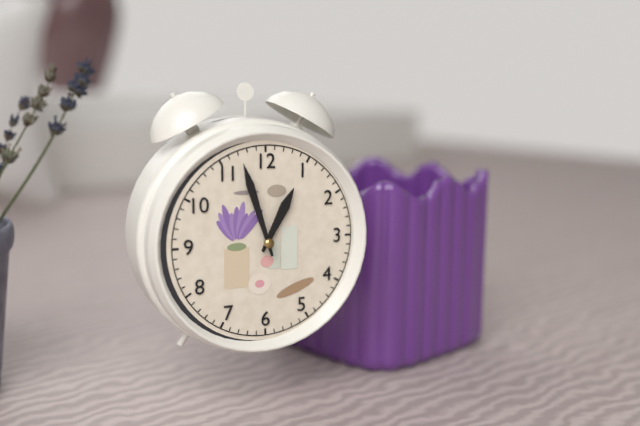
**12:57**
